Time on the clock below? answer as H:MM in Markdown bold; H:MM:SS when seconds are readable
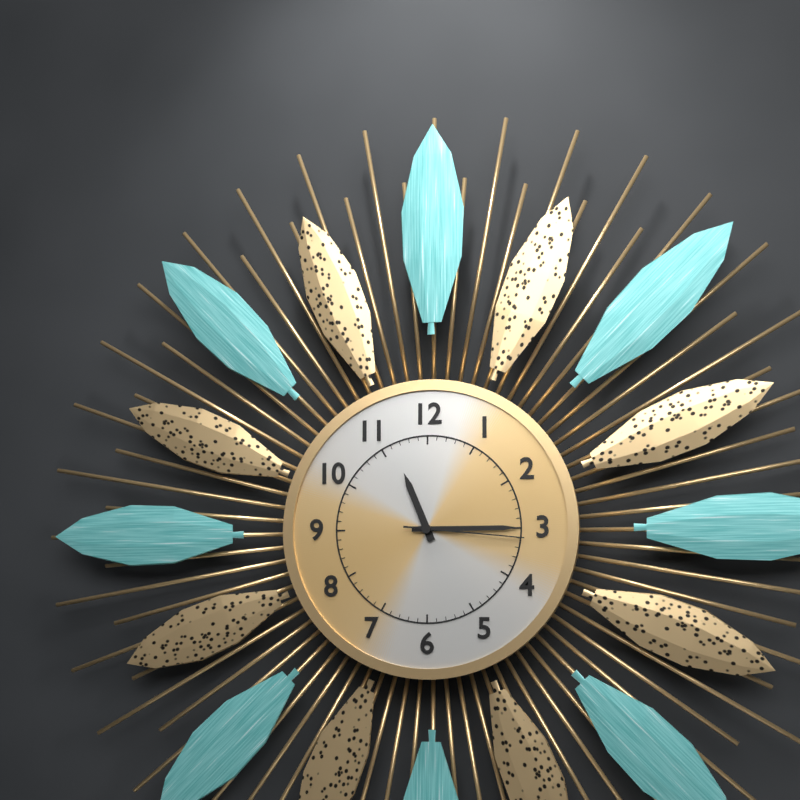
**11:15:16**
